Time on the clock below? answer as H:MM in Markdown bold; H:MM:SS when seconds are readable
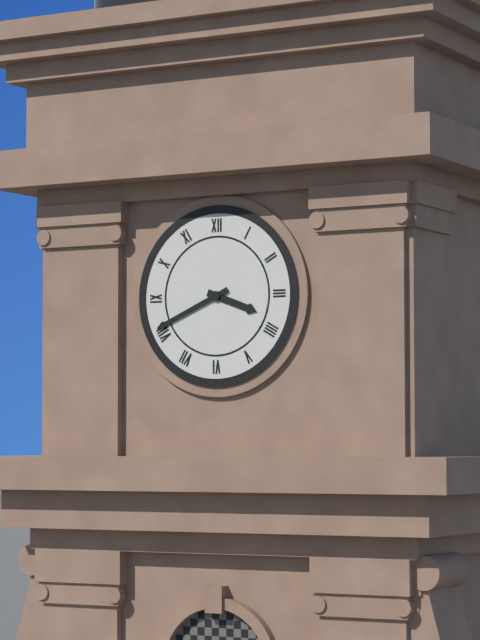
**3:41**
